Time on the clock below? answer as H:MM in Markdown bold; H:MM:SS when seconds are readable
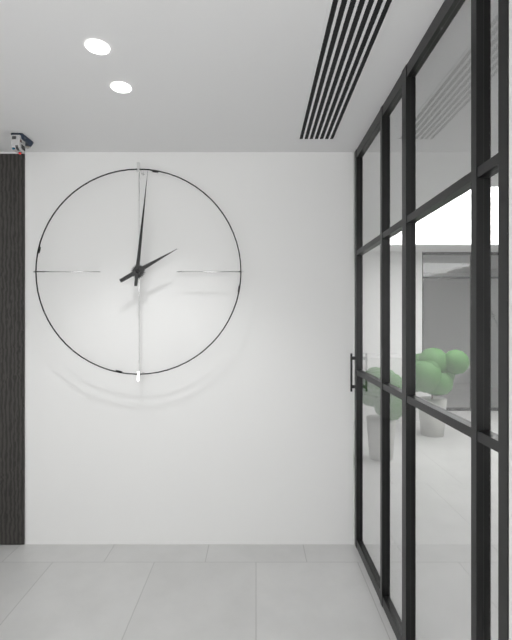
**2:01**
